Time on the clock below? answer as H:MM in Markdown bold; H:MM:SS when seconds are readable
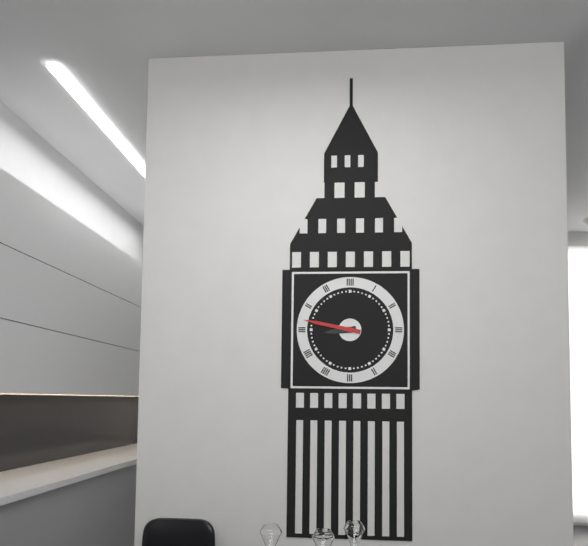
**8:47**
